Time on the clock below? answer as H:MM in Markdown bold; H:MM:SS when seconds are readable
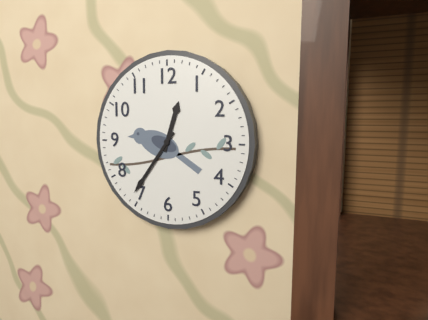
**12:36**
